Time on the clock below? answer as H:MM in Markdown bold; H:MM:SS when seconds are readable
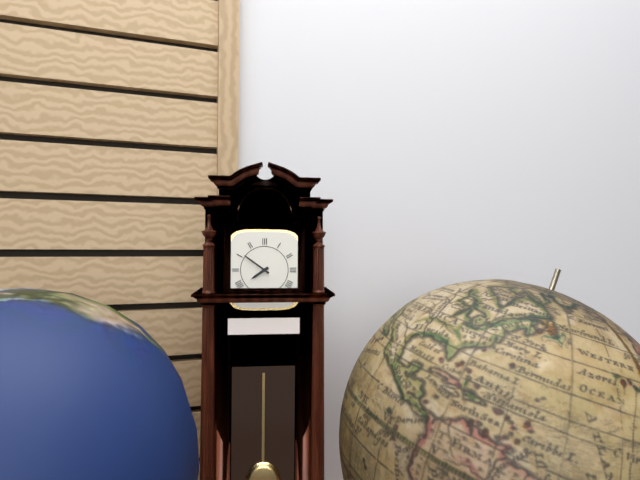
**7:51**
